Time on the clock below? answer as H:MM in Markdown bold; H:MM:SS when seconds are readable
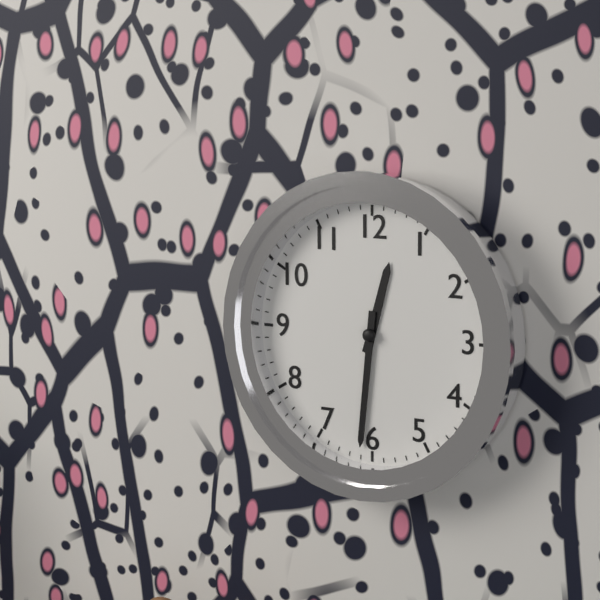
**12:31**
